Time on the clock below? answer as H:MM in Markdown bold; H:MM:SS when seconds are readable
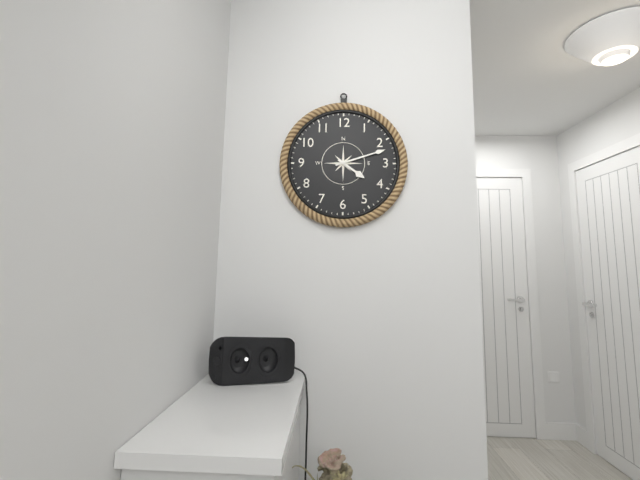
**4:12**
